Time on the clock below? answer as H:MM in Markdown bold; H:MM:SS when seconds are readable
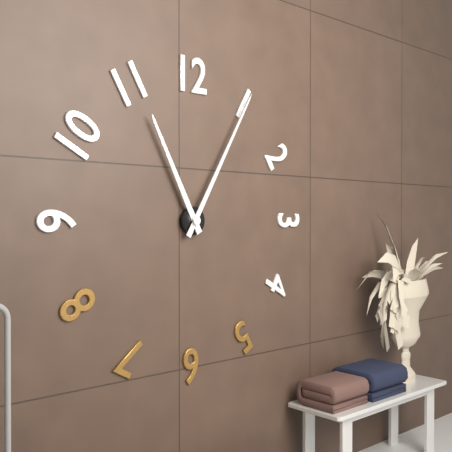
**11:05**
